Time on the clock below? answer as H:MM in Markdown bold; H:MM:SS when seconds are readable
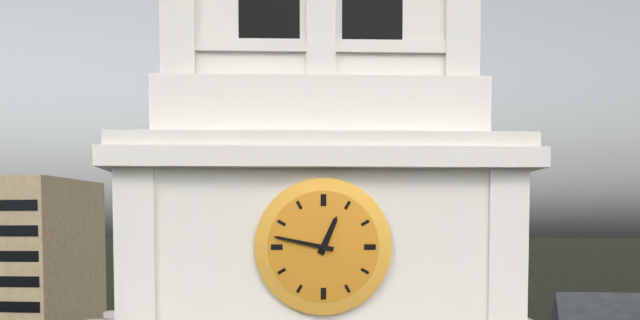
**12:47**
